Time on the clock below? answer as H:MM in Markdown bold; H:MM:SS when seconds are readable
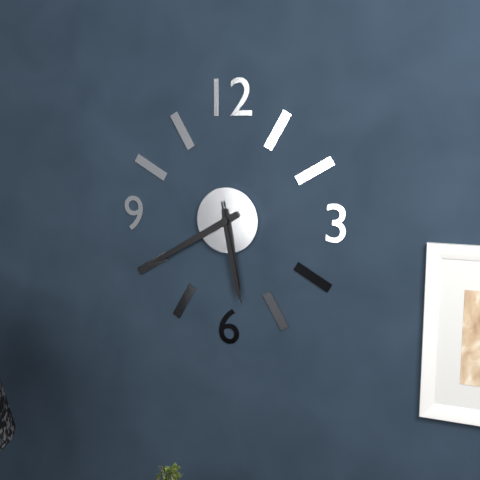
**5:40:28**
